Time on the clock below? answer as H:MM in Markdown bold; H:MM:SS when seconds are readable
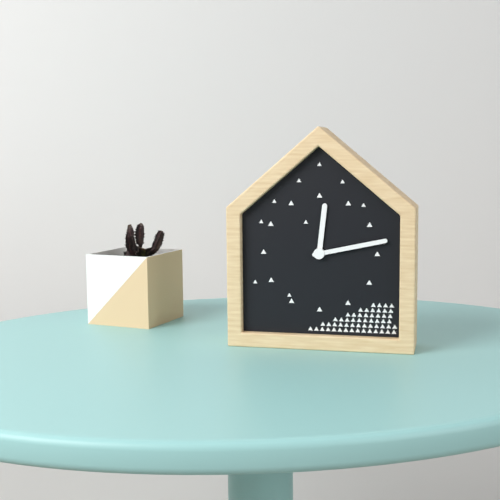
**12:13**
